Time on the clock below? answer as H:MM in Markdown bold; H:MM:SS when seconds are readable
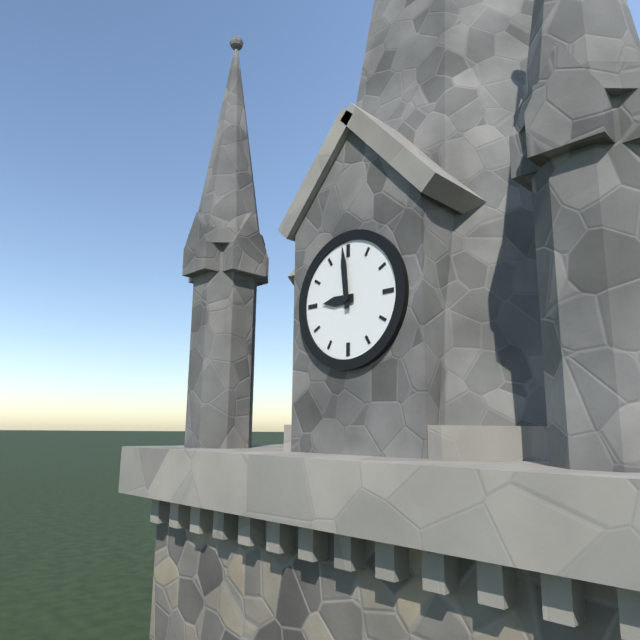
**8:59**
